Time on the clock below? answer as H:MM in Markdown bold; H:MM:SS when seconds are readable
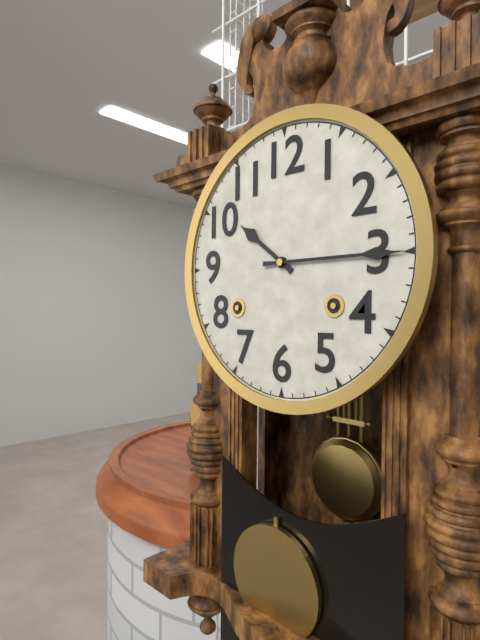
**10:15**
